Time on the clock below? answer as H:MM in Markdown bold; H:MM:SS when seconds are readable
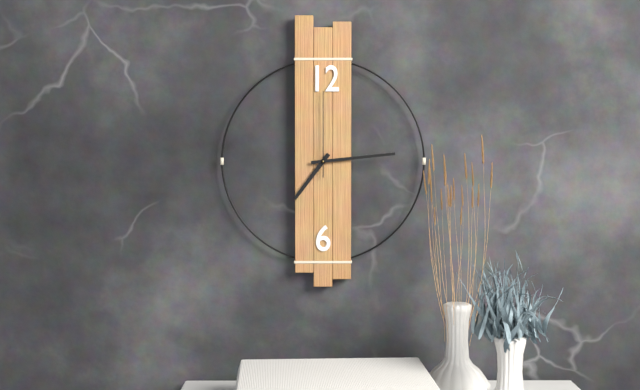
**7:14:00**
